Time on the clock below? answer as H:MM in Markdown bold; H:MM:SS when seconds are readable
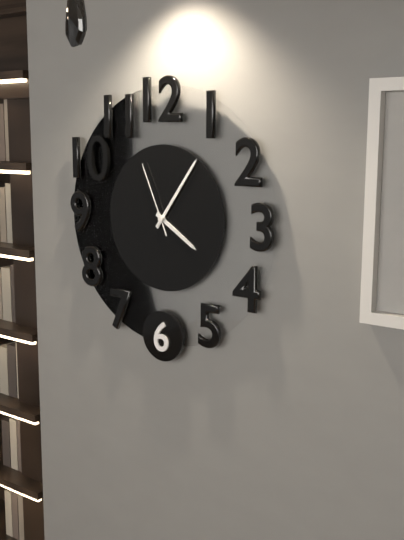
**4:06:56**
